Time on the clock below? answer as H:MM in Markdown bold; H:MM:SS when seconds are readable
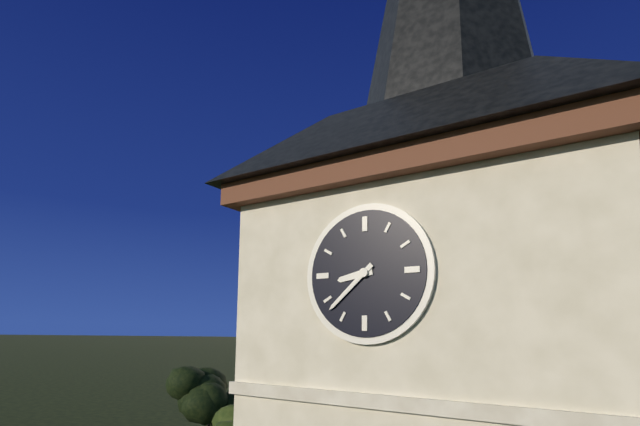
**8:38**
